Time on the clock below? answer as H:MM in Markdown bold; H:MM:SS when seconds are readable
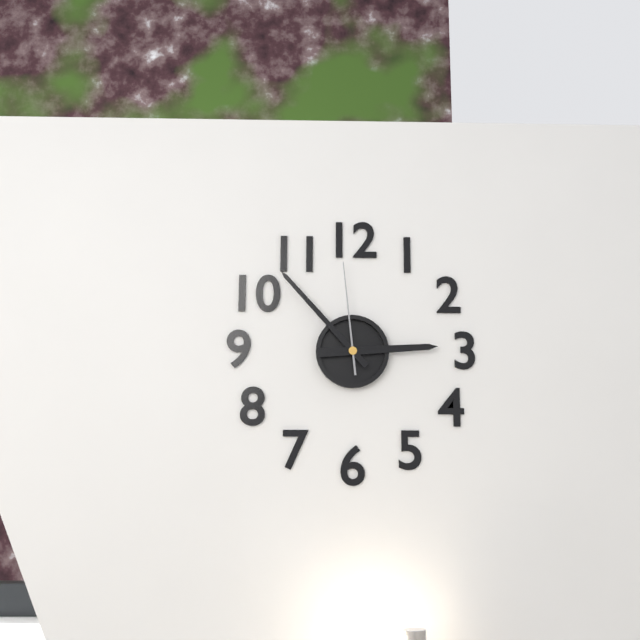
**2:53:59**
